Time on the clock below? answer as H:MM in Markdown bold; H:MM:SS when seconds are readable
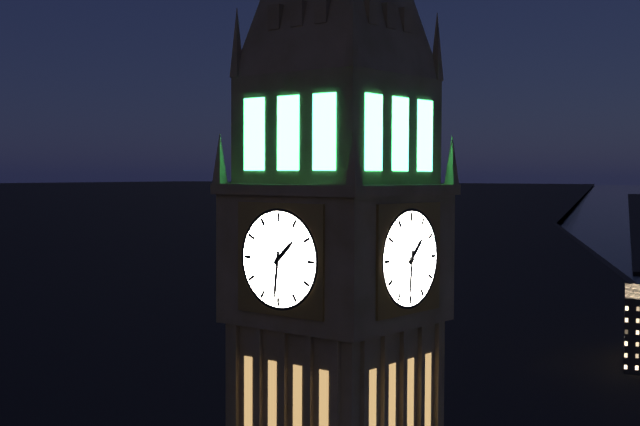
**1:31**
